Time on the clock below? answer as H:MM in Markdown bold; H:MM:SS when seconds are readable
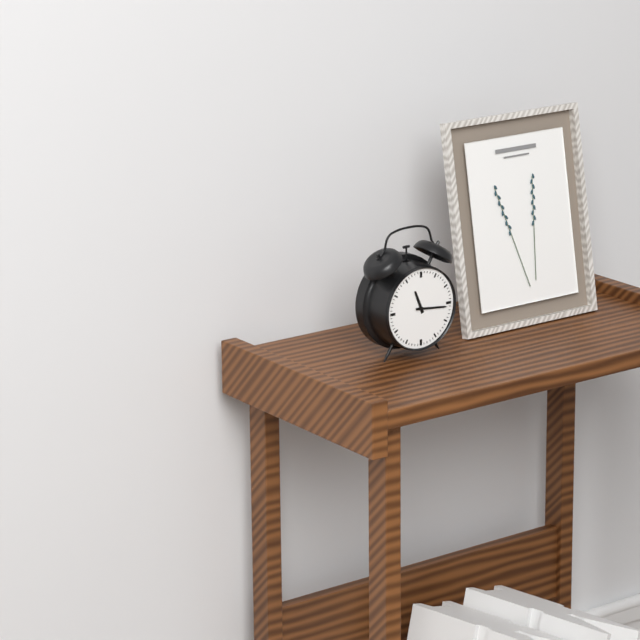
**11:16**
